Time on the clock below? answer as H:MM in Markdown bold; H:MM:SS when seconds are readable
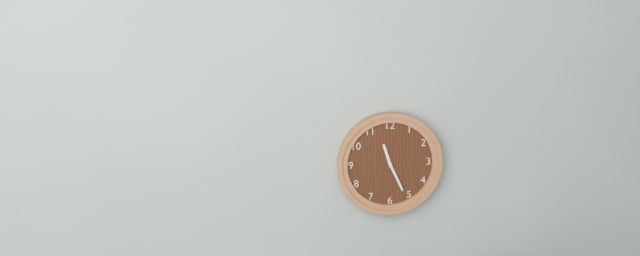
**11:26**
